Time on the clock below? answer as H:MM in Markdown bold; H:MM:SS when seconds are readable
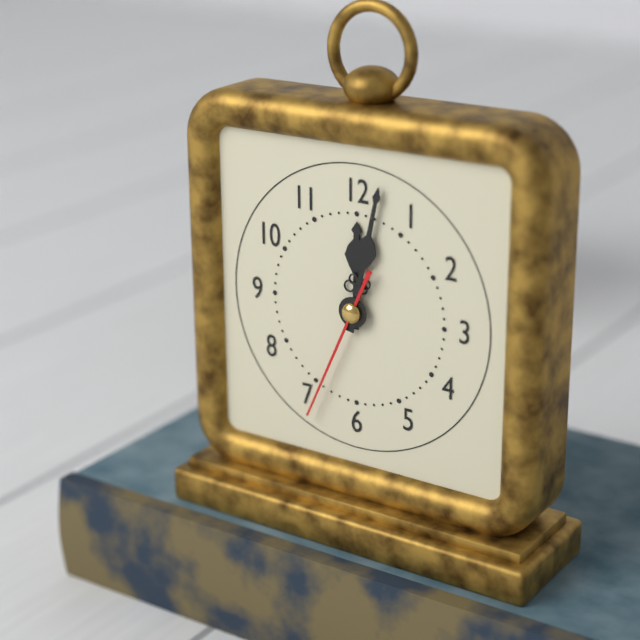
**12:02:34**
